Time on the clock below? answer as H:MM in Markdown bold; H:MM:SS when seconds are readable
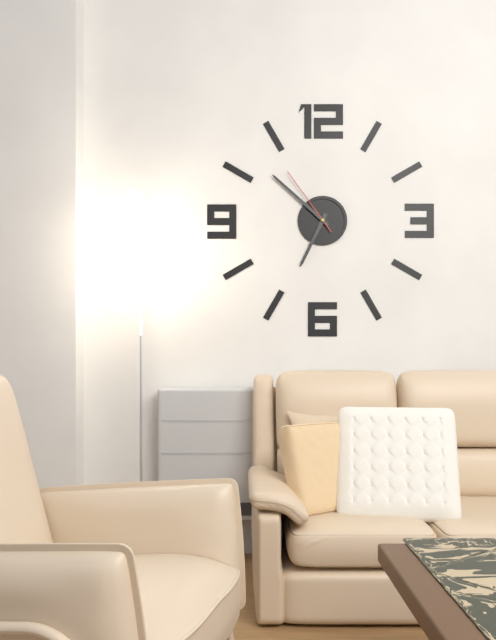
**6:52:54**
